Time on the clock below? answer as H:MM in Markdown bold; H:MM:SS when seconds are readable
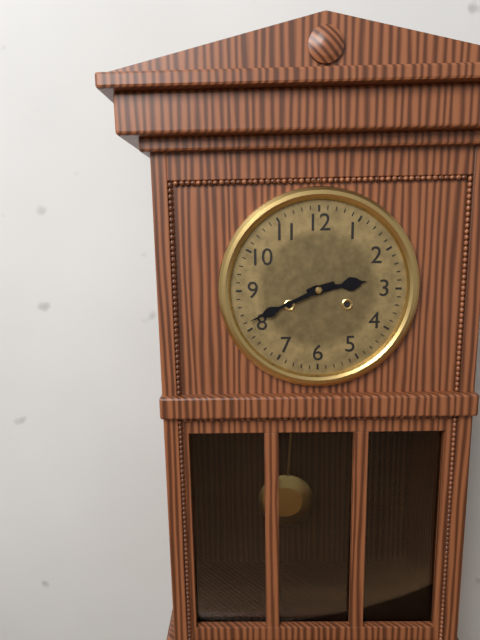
**2:41**
